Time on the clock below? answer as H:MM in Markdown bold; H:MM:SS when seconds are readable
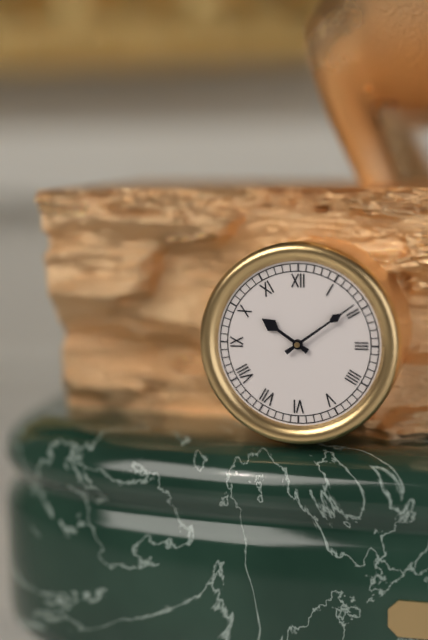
**10:09**
